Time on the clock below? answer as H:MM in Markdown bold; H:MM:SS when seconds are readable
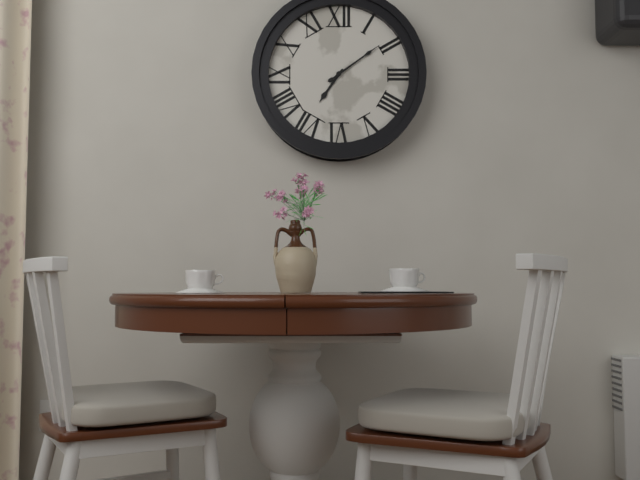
**7:09**
